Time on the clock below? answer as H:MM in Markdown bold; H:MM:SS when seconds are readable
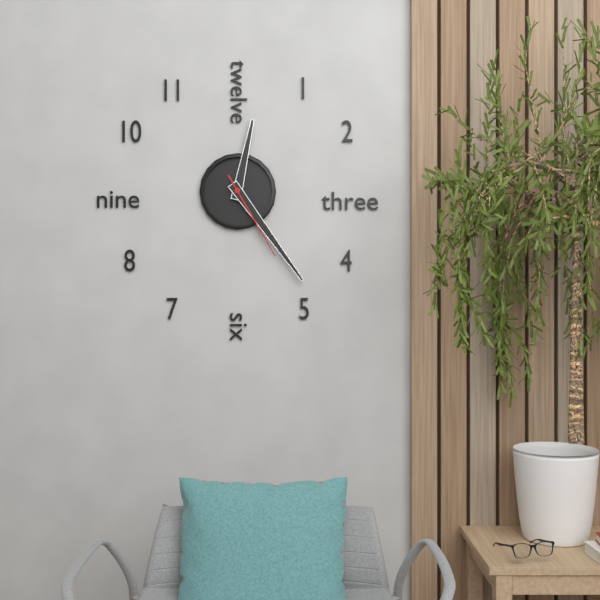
**12:24:25**
